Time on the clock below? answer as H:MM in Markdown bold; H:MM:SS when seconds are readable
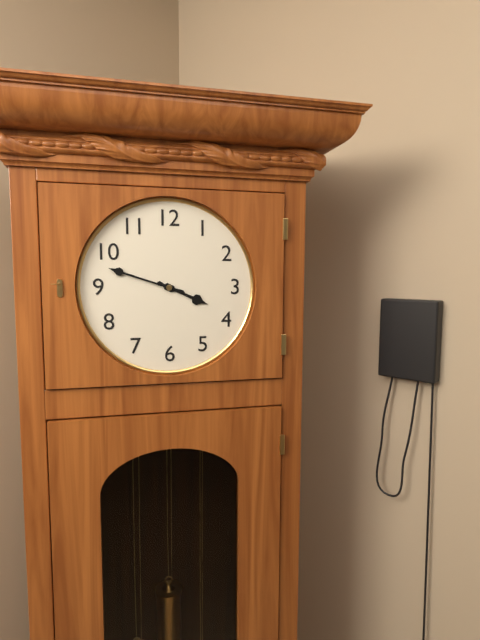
**3:48**
